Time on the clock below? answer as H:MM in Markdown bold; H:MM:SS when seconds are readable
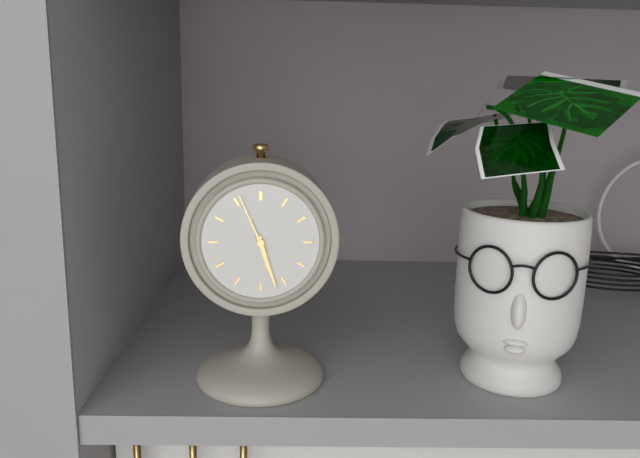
**5:27:56**
